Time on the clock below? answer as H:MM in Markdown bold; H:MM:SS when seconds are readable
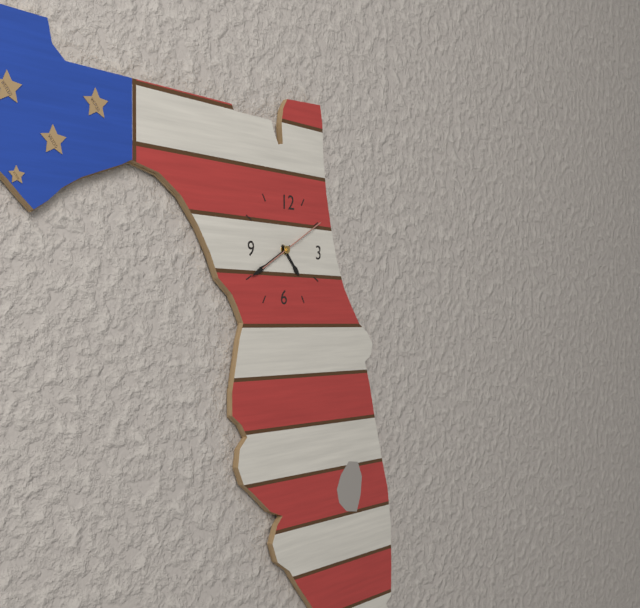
**4:40:10**
